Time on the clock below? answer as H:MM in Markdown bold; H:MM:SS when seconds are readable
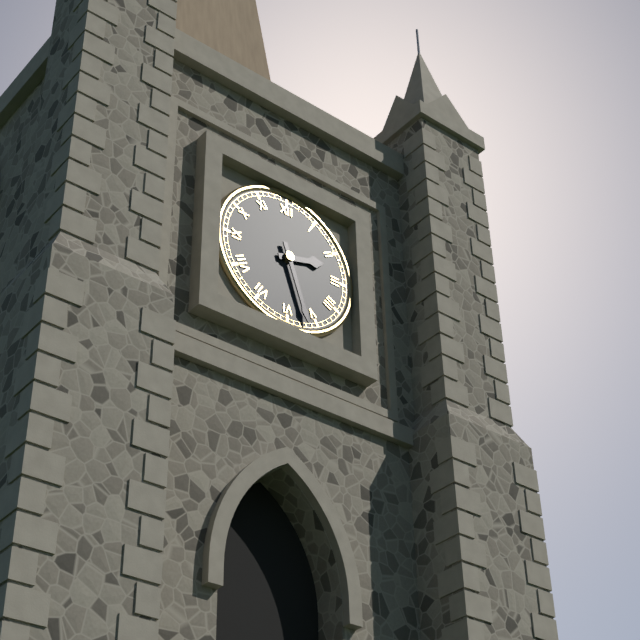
**2:27**
